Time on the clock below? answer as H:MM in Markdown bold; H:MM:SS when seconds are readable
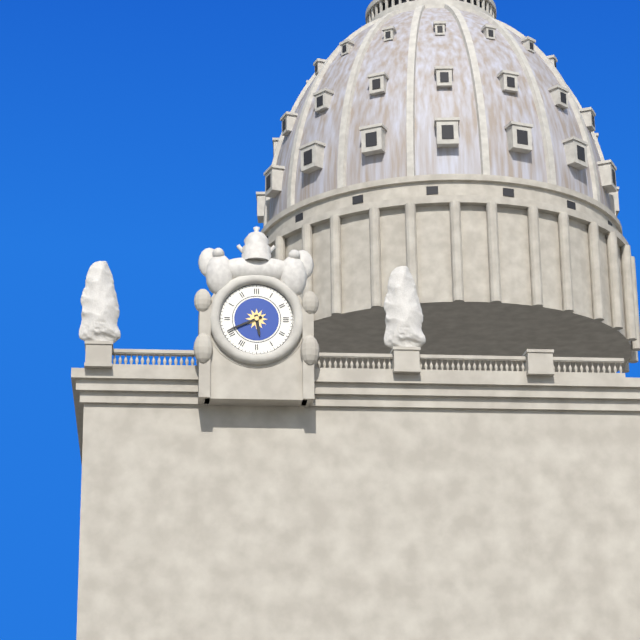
**5:41**
